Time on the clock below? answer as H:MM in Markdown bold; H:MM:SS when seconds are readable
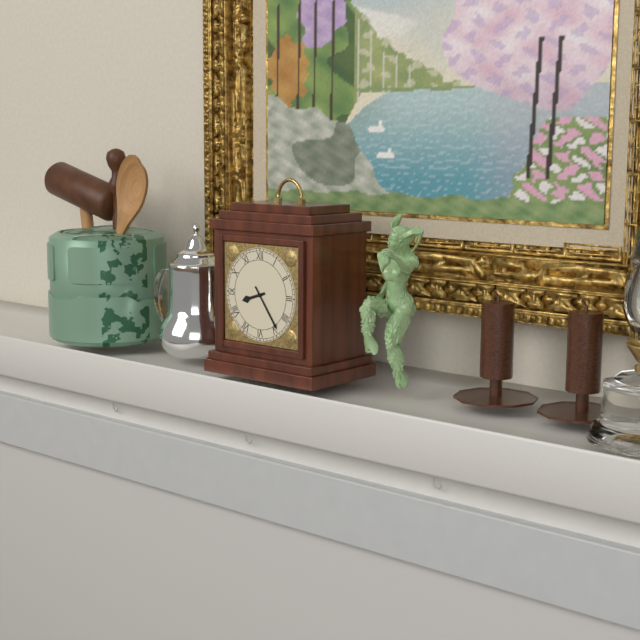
**8:24**
